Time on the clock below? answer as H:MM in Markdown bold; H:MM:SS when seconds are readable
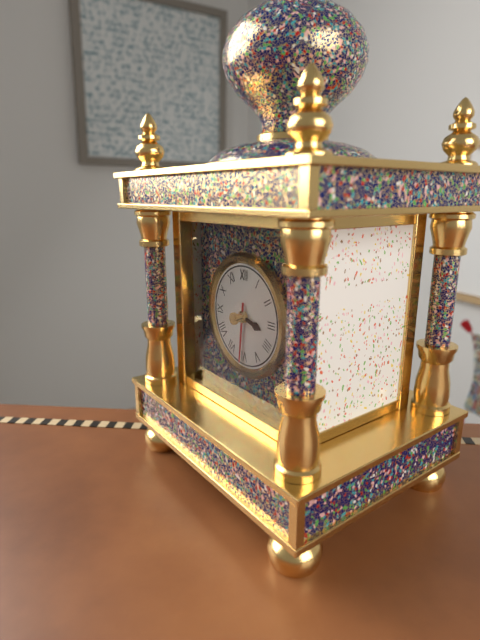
**3:31**
